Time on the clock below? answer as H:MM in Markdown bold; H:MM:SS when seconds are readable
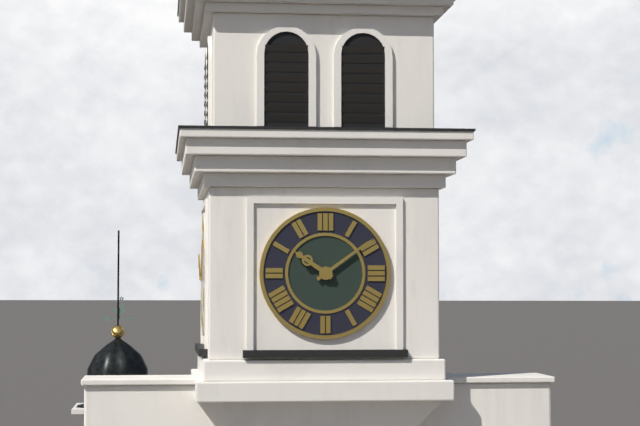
**10:09**
